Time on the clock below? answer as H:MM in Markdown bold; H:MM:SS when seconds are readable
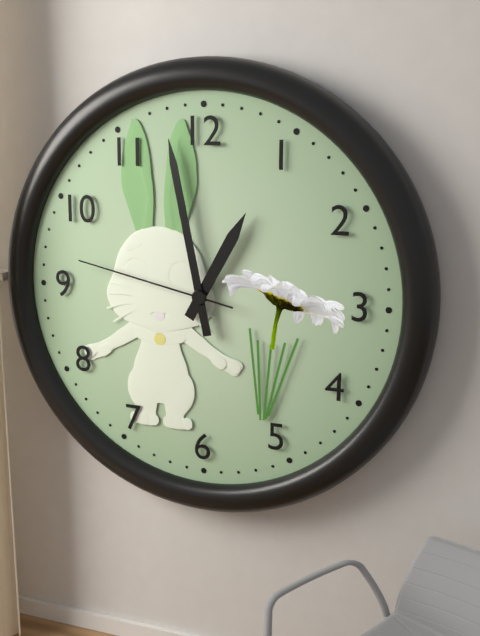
**12:58:47**
